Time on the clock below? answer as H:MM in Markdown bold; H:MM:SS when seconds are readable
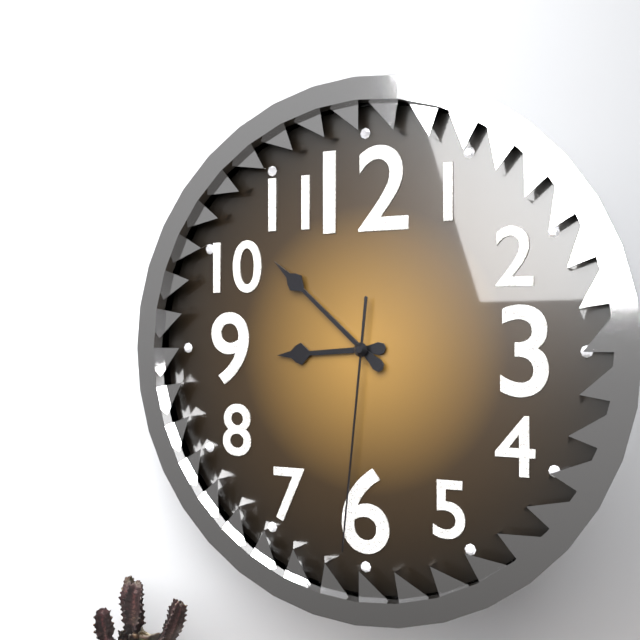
**8:52:31**
